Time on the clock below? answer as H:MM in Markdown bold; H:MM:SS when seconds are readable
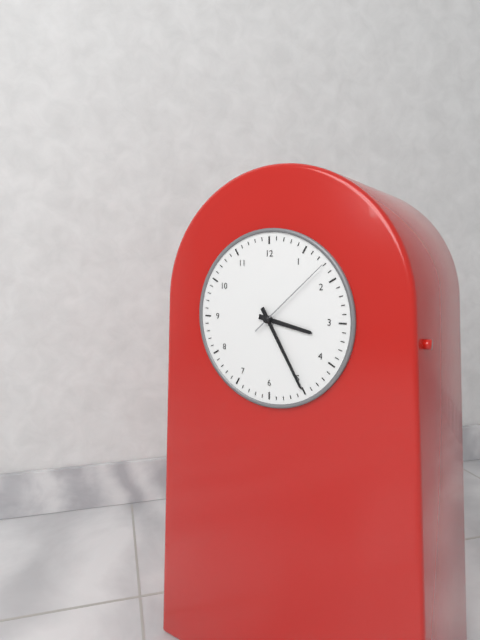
**3:25:08**
